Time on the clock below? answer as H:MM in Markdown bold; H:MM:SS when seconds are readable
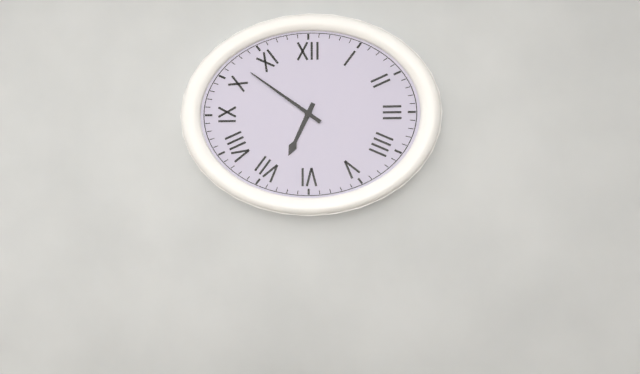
**6:51**
